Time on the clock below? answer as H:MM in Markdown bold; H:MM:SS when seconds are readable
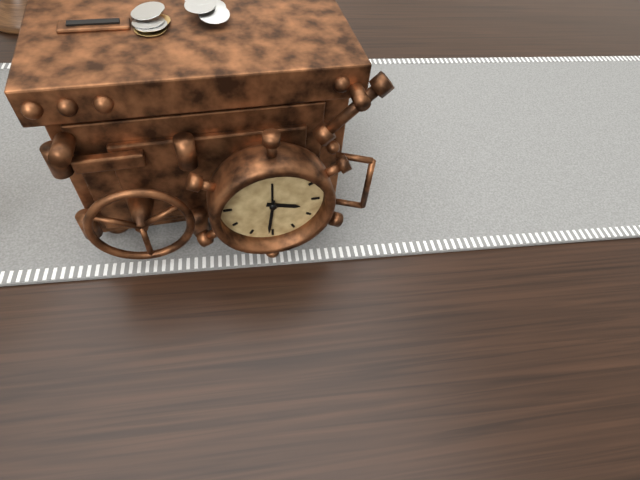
**3:31**
